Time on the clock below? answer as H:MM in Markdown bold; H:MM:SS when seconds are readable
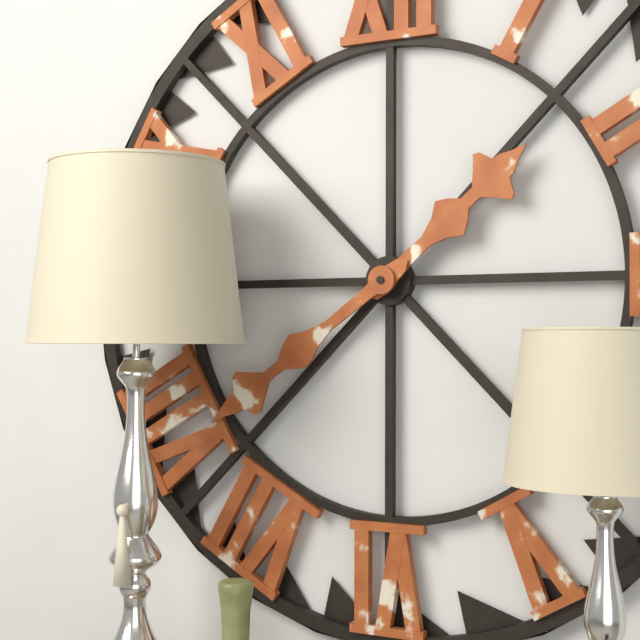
**1:39**
